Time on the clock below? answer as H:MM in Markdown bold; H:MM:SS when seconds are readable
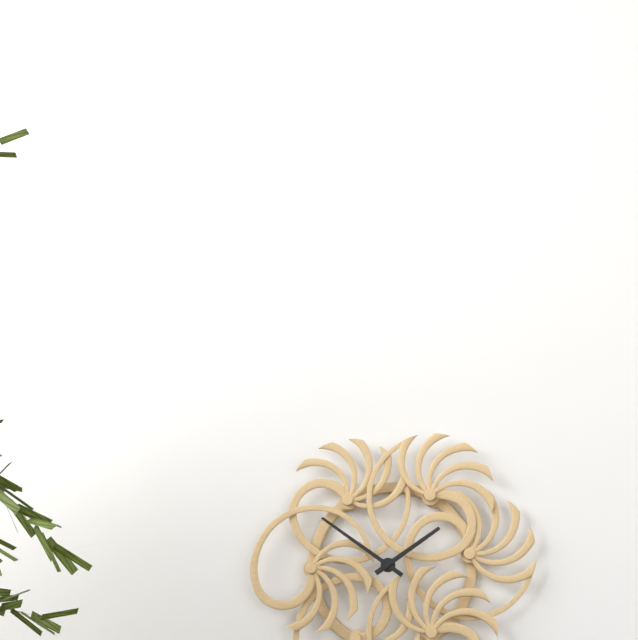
**1:51**
